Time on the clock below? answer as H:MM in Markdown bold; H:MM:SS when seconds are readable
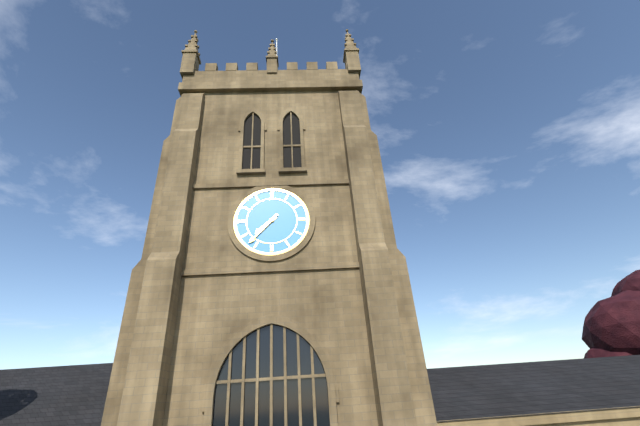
**7:37**
